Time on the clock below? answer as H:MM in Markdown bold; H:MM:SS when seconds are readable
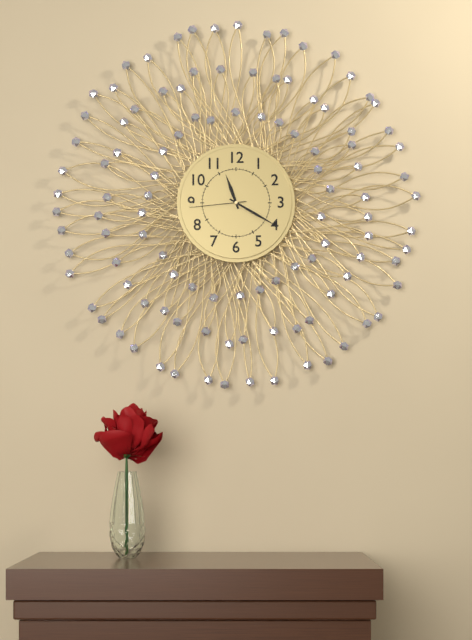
**11:20:44**
